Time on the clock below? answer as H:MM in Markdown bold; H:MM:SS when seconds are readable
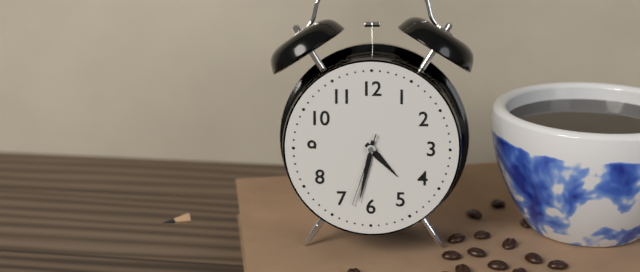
**4:32:33**
